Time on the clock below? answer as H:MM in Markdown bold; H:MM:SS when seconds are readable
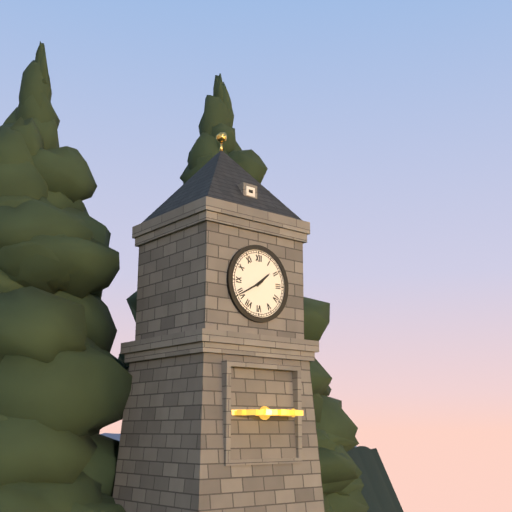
**1:40**
